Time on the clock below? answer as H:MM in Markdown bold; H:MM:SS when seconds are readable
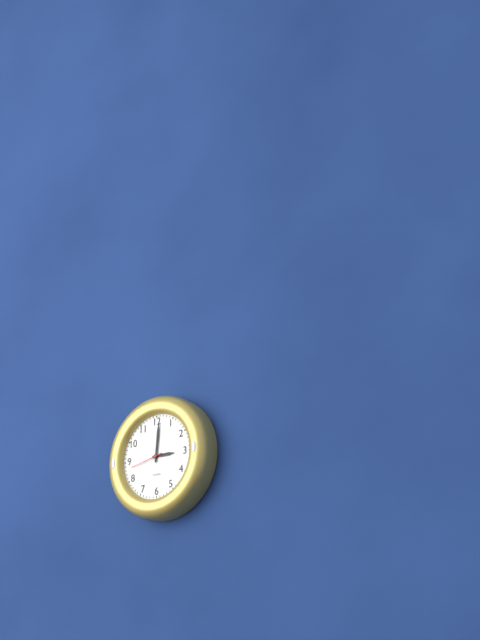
**3:01**
